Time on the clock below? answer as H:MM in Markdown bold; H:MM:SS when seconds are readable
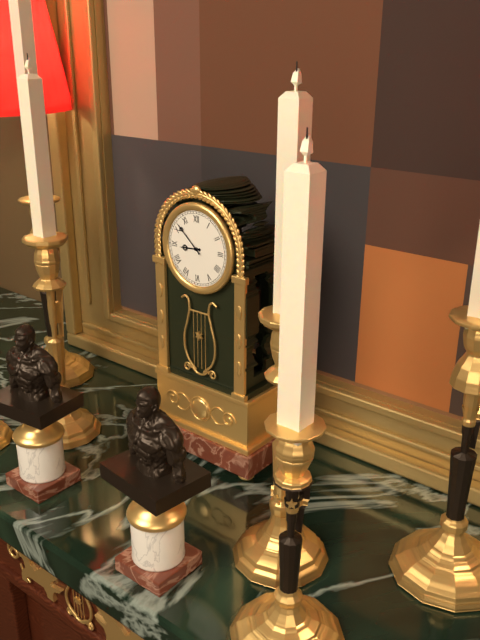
**8:52**
